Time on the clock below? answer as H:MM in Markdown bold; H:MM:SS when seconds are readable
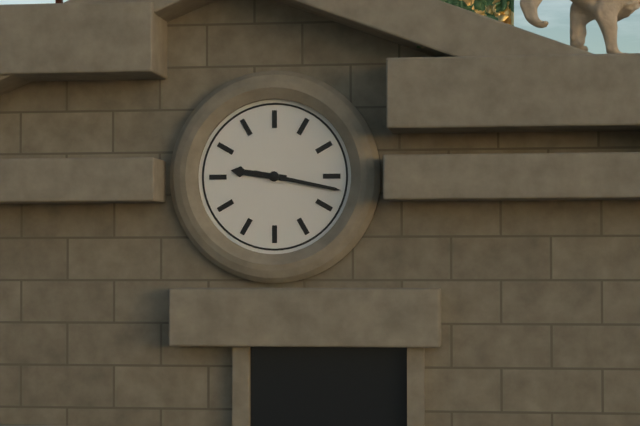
**9:17**
